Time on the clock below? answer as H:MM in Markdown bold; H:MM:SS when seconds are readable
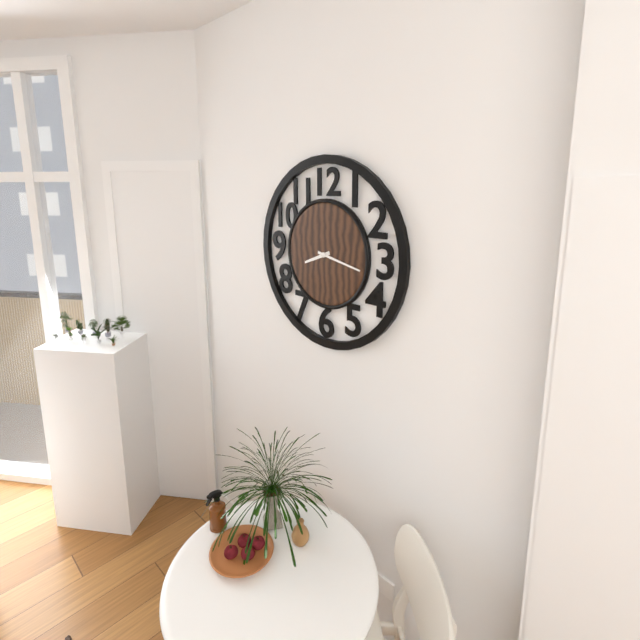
**8:17**
